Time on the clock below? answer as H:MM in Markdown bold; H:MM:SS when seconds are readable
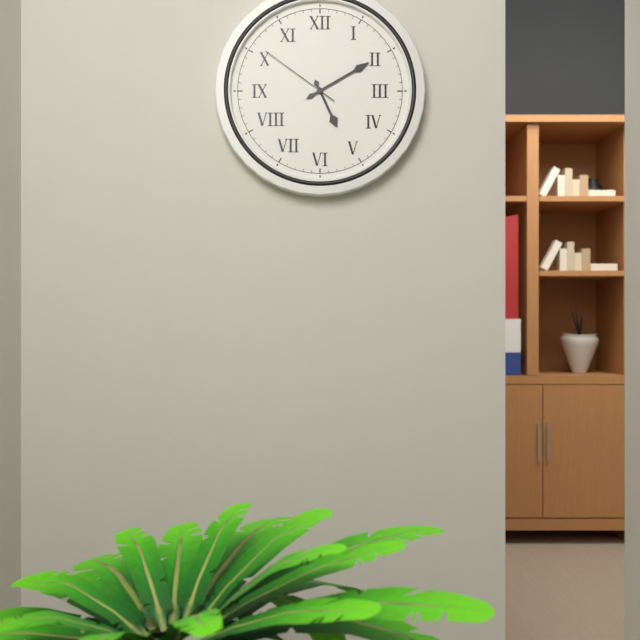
**5:10:51**
